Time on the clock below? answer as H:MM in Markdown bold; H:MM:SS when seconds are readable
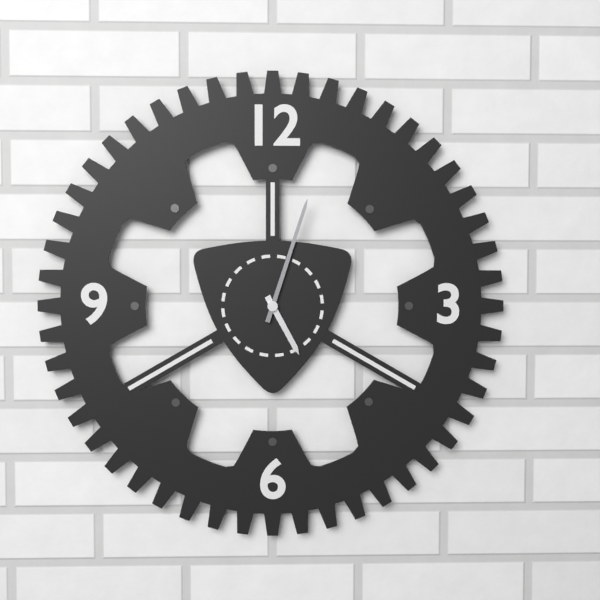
**5:03**
